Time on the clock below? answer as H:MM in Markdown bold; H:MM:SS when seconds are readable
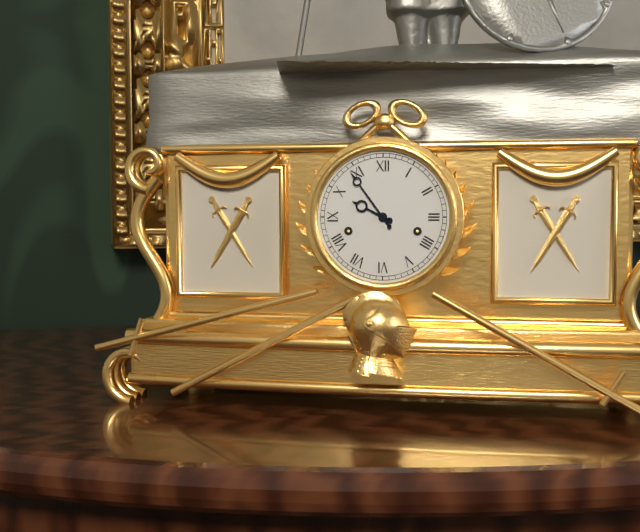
**9:54**
